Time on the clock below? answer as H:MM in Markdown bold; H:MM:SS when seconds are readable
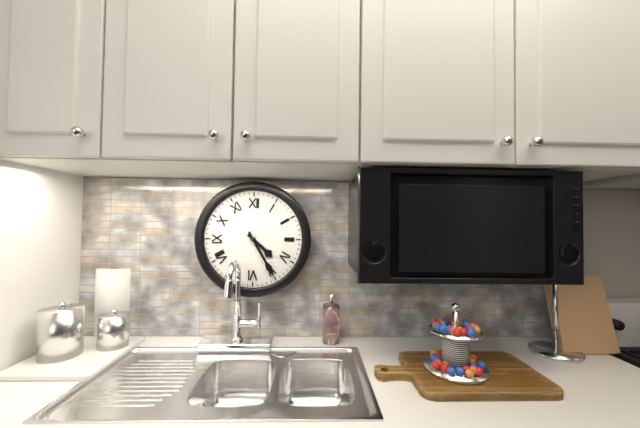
**4:25**
